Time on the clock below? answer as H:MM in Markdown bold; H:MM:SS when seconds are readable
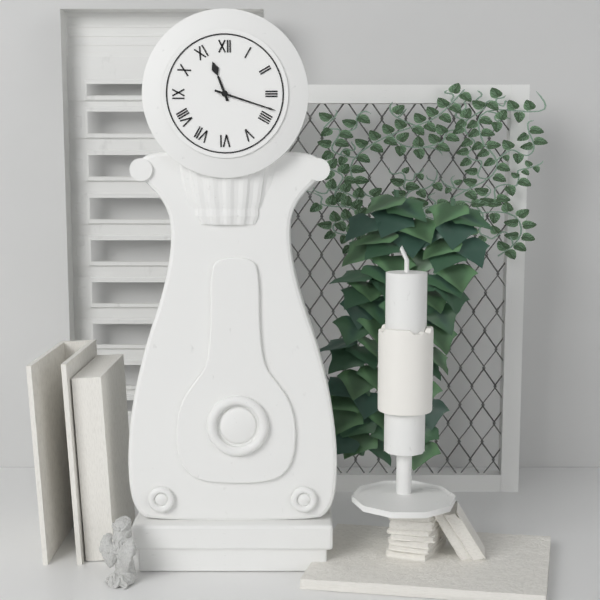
**11:18**
